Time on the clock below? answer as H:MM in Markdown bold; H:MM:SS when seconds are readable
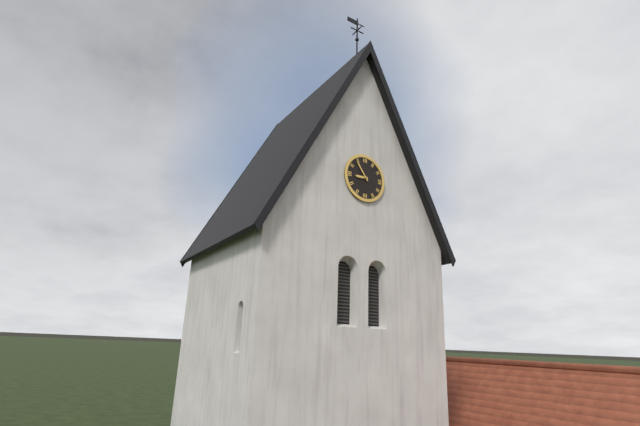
**8:54**
